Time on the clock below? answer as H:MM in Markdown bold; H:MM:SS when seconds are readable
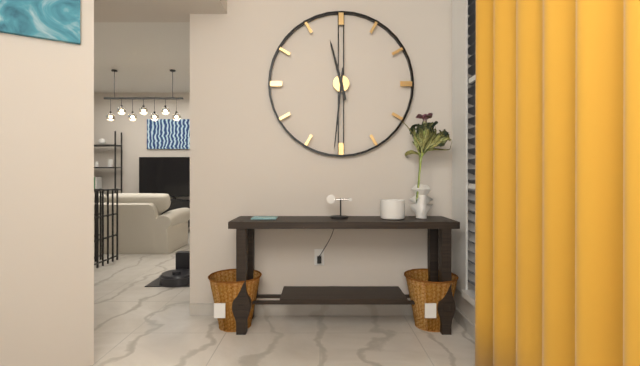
**11:31**
